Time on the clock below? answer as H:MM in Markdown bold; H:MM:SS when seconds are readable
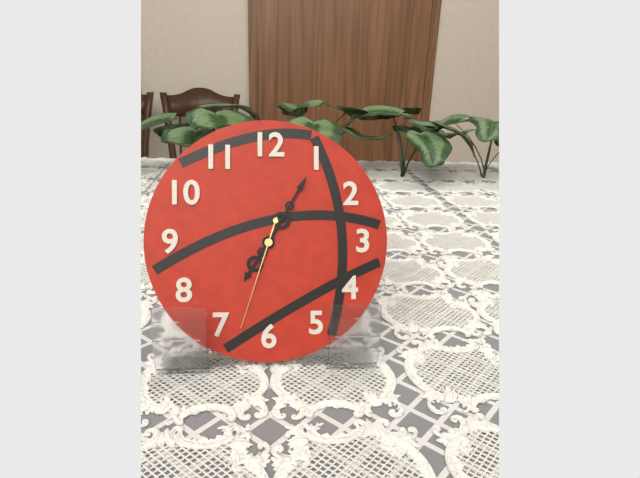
**7:05:33**
